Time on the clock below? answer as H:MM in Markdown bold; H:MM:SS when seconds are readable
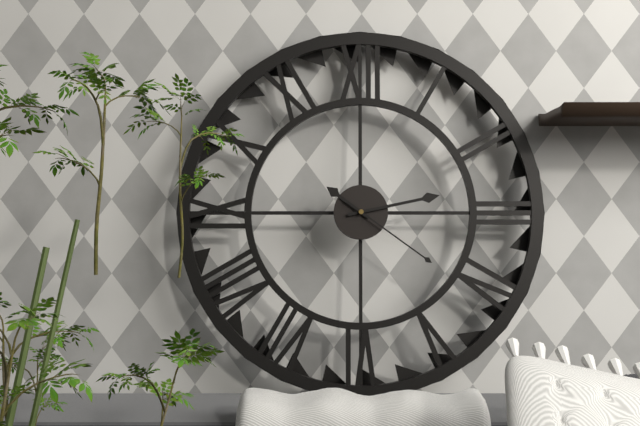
**10:13:21**
